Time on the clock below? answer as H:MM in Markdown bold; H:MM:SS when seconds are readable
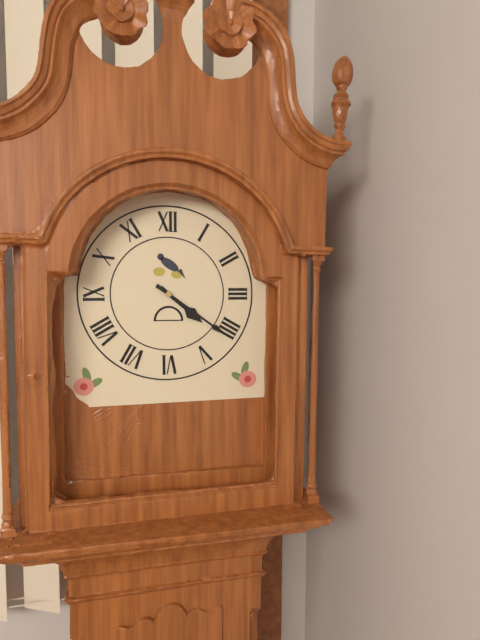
**4:21**
